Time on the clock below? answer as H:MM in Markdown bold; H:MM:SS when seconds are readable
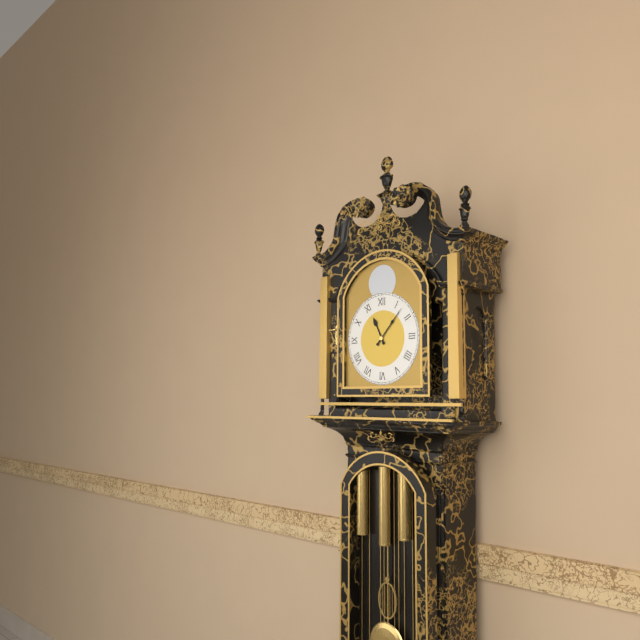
**11:07**
